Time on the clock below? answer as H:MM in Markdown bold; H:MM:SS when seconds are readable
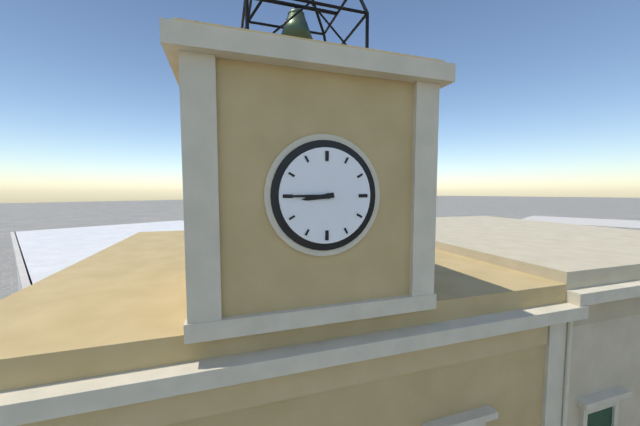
**8:45**
